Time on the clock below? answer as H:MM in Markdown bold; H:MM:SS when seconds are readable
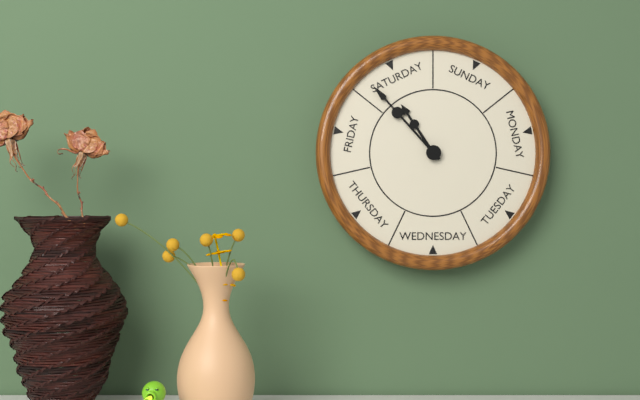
**10:53**
